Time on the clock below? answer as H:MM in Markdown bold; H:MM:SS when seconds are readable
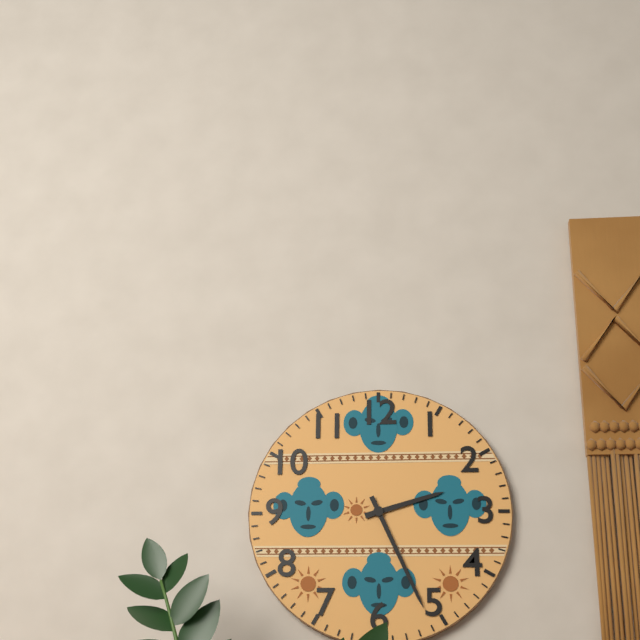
**2:26**
